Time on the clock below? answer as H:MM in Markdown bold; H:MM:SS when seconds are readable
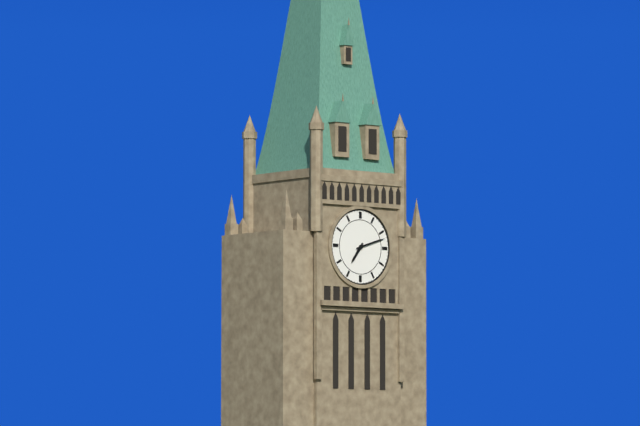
**7:12**
